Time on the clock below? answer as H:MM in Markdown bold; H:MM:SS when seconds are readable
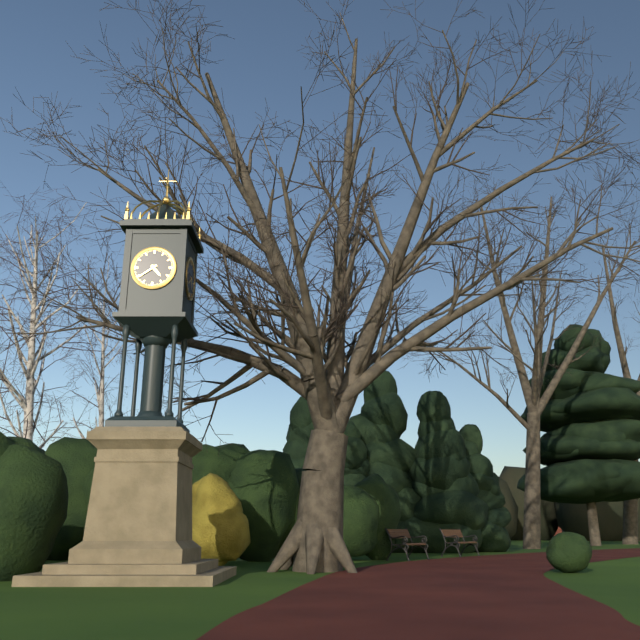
**4:39**
